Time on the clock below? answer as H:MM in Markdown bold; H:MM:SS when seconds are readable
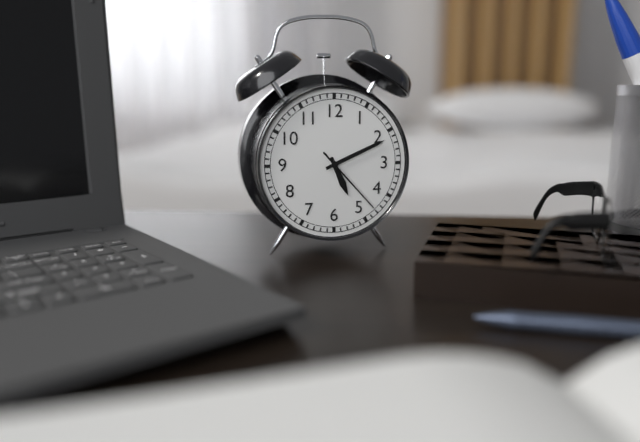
**5:11:23**
